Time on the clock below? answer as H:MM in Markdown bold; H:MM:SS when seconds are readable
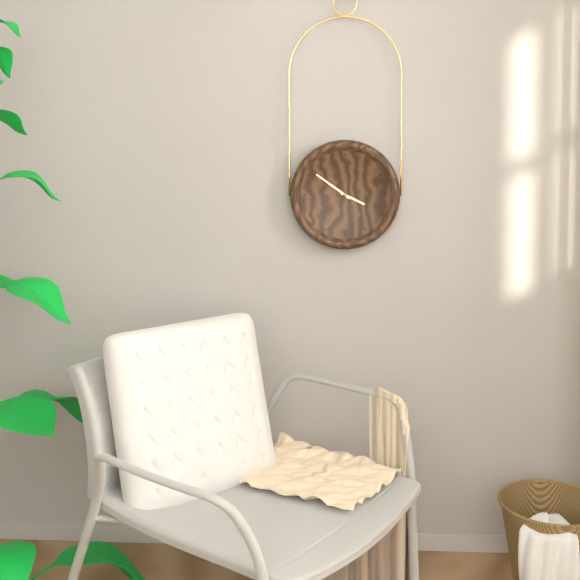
**3:51**
